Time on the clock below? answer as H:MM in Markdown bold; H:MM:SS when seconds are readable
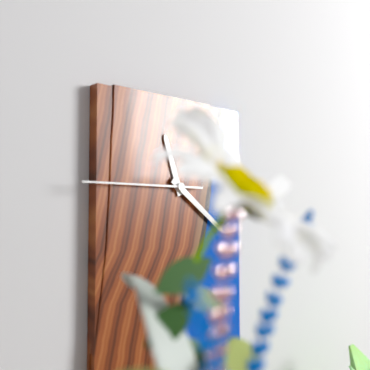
**11:21:45**
